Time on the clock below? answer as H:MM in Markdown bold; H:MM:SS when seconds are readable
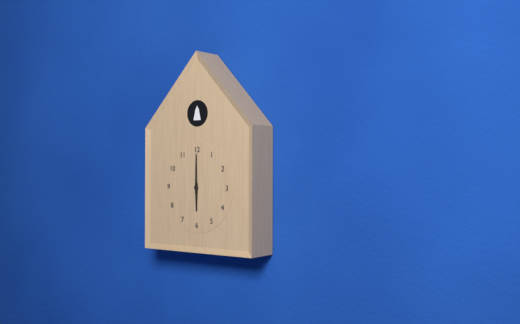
**6:00**
